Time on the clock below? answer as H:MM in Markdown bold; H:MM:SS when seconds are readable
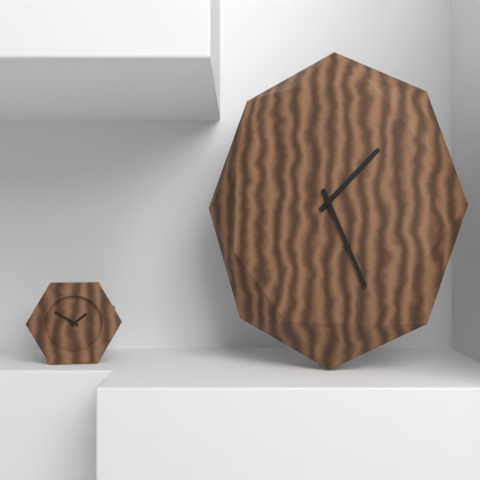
**1:26**
